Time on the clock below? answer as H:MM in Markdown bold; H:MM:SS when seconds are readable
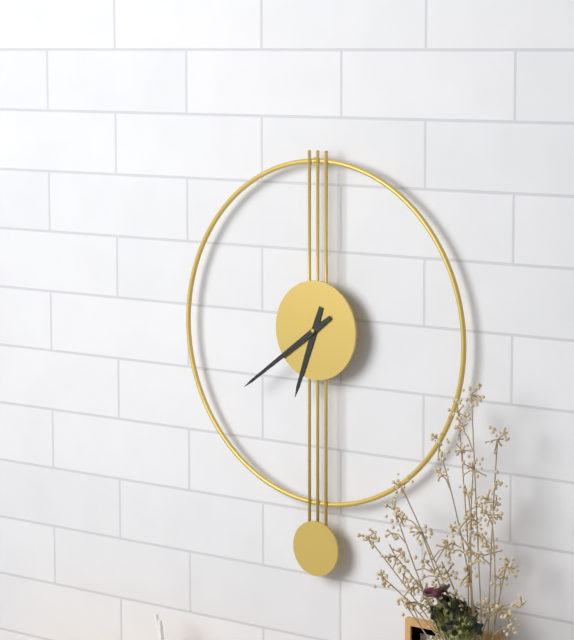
**6:39**
